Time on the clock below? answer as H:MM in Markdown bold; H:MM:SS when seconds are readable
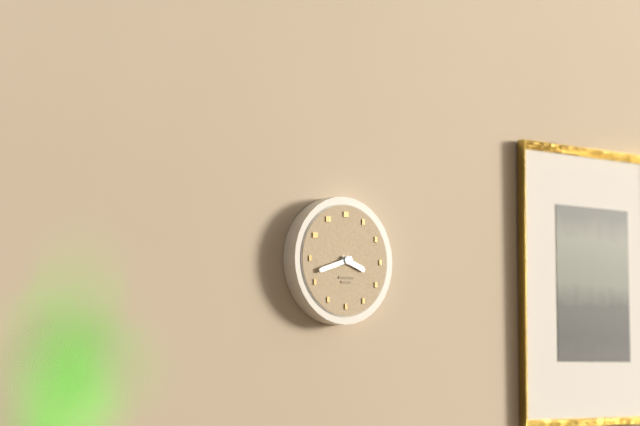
**3:42**
